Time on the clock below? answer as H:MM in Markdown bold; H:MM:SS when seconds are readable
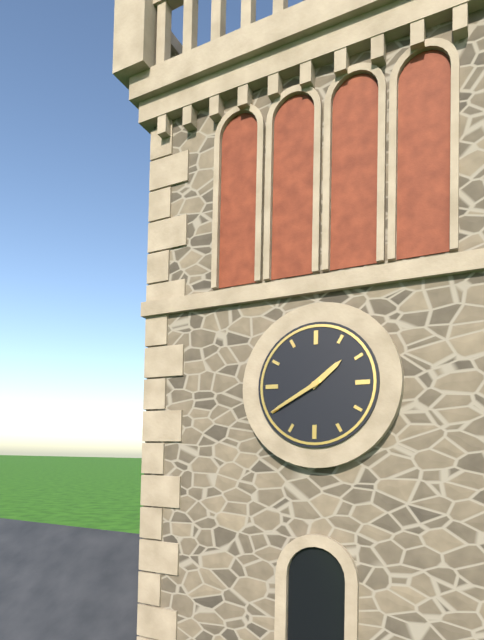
**1:40**
